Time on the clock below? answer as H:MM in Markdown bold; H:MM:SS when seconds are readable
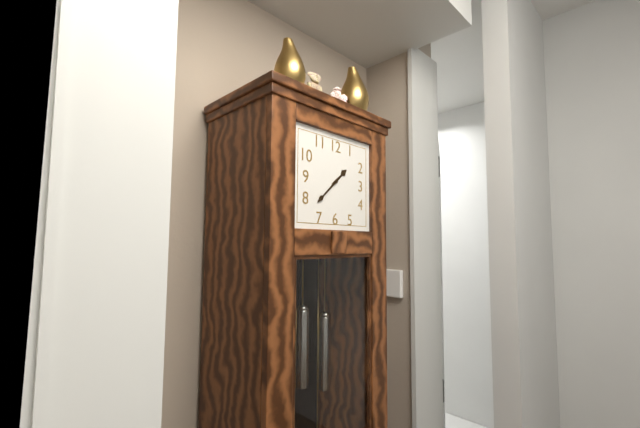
**1:38**
